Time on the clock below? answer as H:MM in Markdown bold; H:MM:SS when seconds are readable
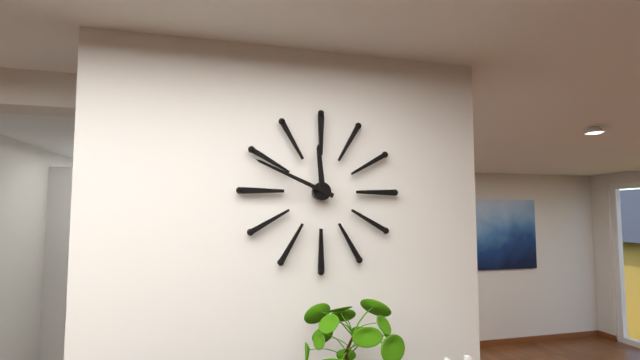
**11:49**
